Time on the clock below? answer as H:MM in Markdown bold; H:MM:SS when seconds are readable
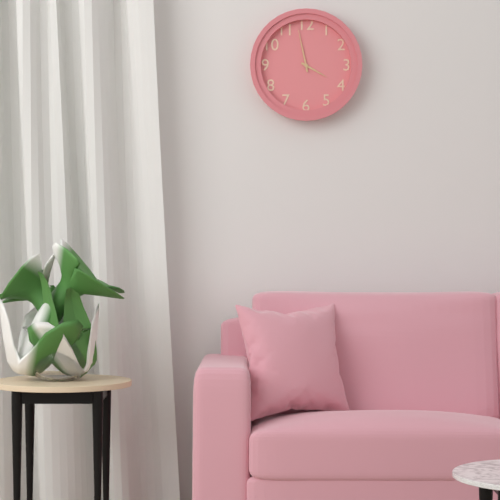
**3:58**
